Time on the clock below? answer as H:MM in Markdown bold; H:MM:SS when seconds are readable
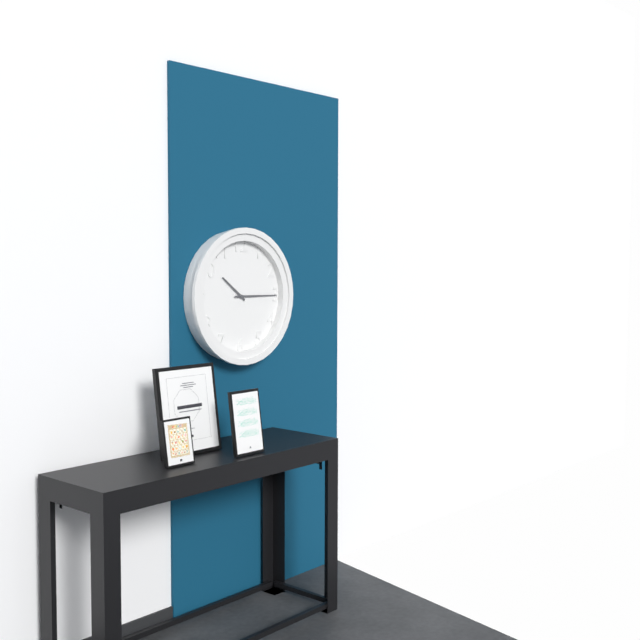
**10:15**
